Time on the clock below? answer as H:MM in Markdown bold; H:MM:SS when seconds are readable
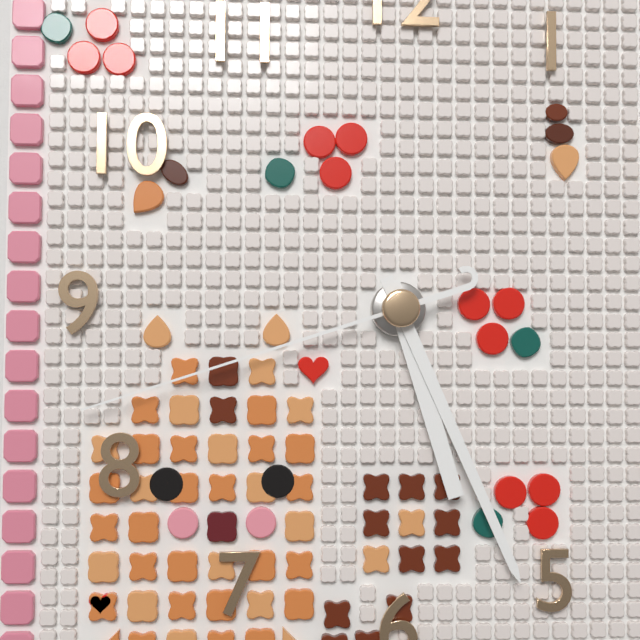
**5:26:42**
